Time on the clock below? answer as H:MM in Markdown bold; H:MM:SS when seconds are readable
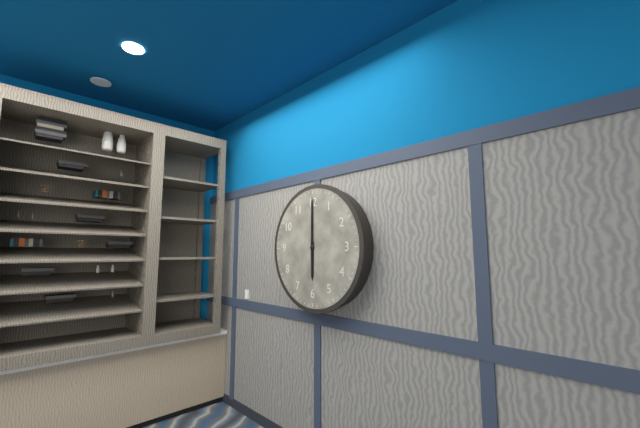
**6:00**
